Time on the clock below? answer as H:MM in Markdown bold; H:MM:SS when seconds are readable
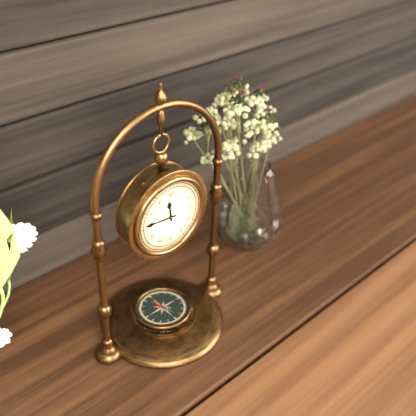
**11:46**
